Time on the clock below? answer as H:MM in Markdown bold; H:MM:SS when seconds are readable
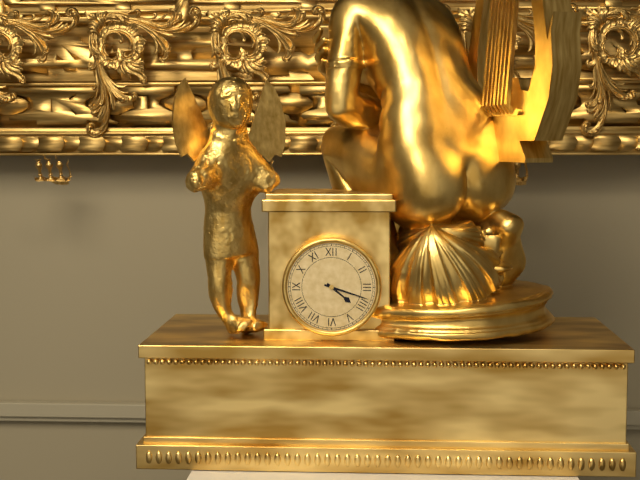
**4:18**
